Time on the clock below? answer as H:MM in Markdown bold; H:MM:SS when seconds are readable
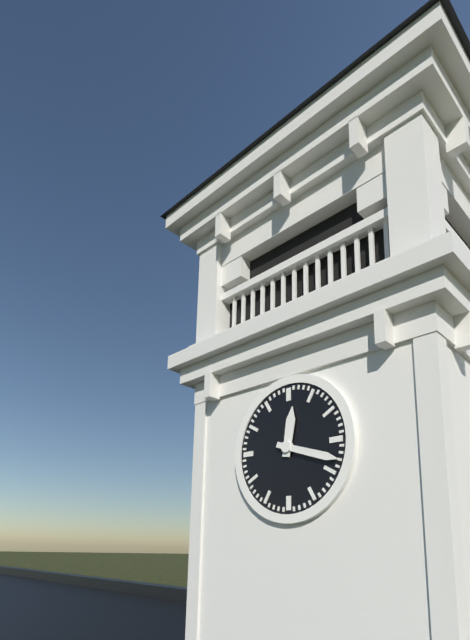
**12:18**
